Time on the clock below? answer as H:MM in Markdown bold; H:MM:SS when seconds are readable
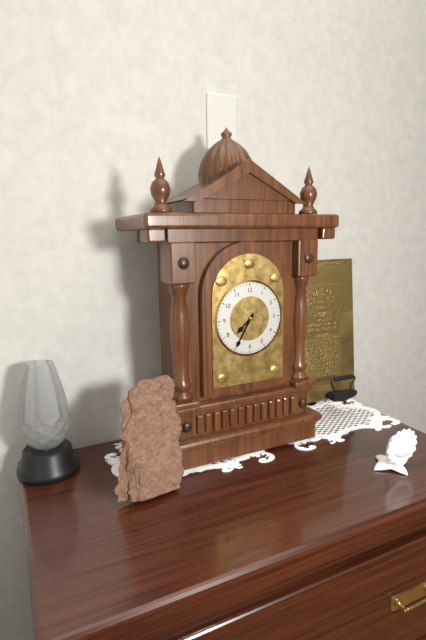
**7:35**
